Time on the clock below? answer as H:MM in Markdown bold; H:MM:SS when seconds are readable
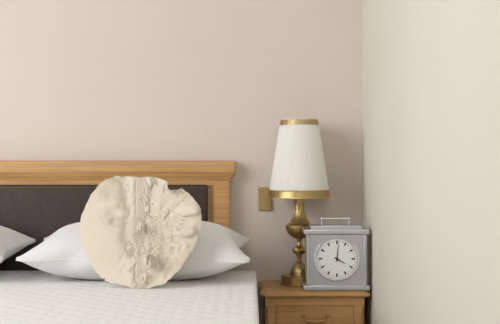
**4:01**
